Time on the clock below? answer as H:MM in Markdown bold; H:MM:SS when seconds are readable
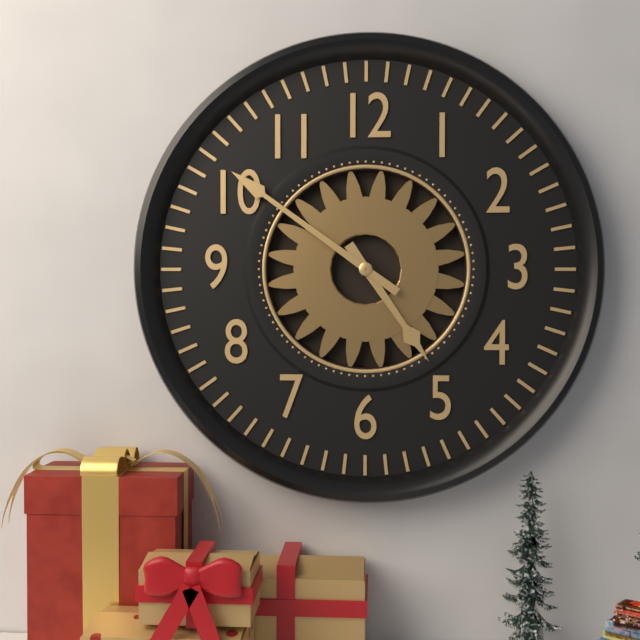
**4:51**
